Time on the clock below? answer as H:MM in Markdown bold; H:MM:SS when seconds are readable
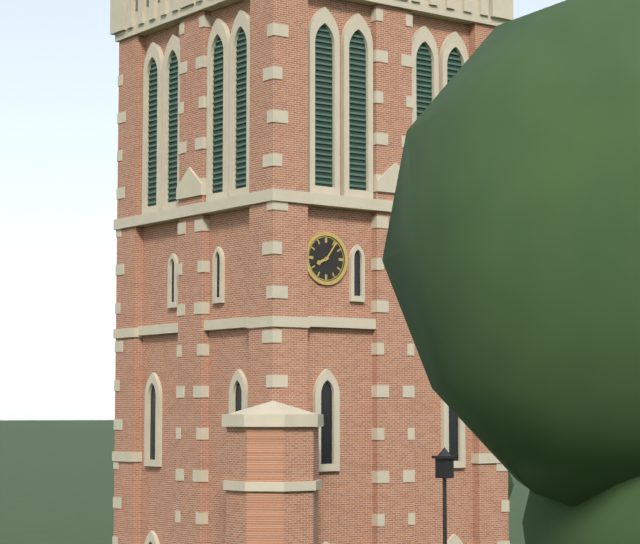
**8:06**
